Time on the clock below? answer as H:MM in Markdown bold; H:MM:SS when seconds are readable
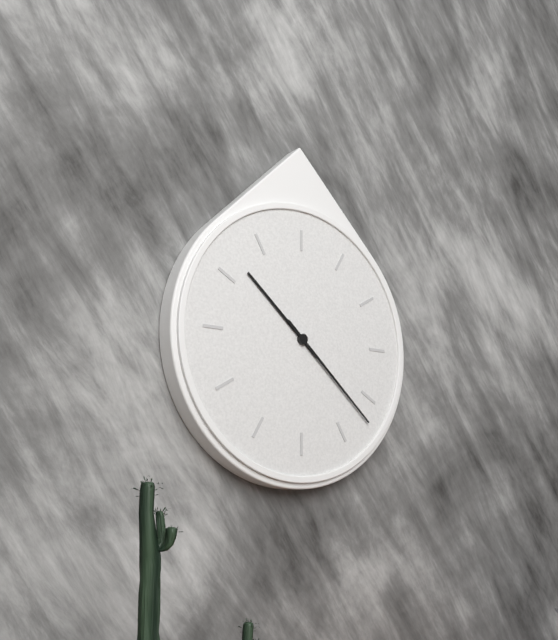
**10:22**
